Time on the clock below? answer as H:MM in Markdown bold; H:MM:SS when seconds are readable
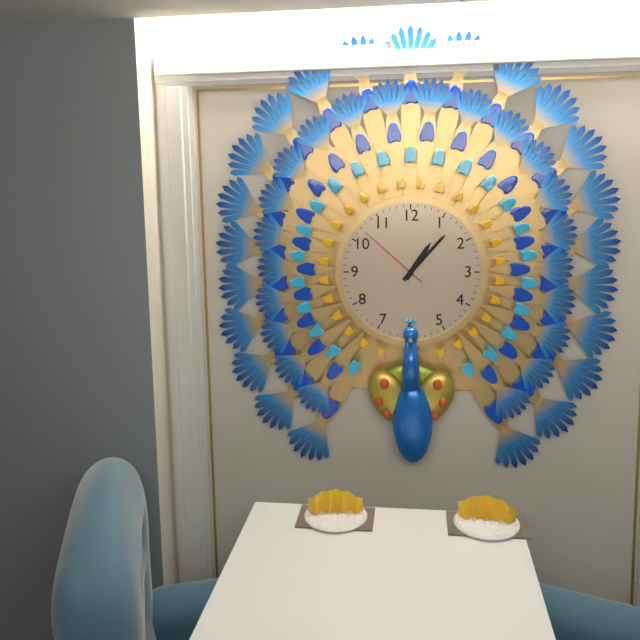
**1:07:52**
